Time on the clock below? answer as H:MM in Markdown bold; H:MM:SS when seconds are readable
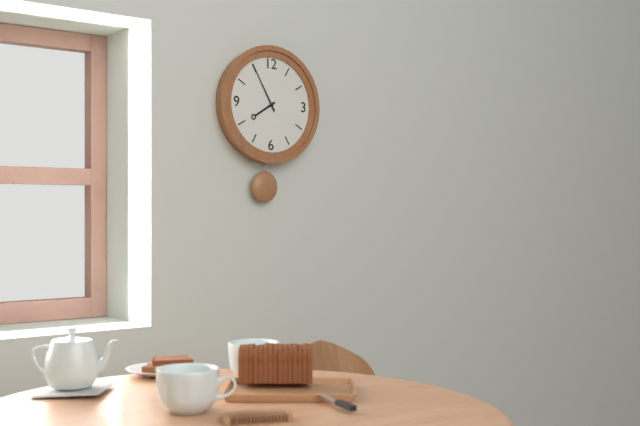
**7:55**
